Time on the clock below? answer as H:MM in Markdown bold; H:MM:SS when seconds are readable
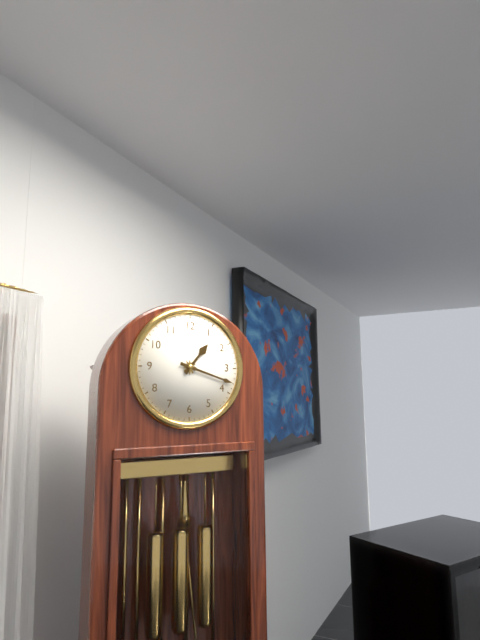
**1:18**
